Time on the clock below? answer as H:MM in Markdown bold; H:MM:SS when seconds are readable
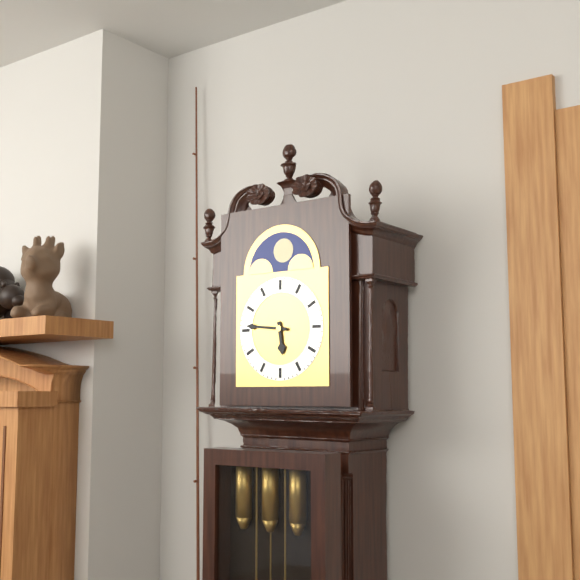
**5:46**
